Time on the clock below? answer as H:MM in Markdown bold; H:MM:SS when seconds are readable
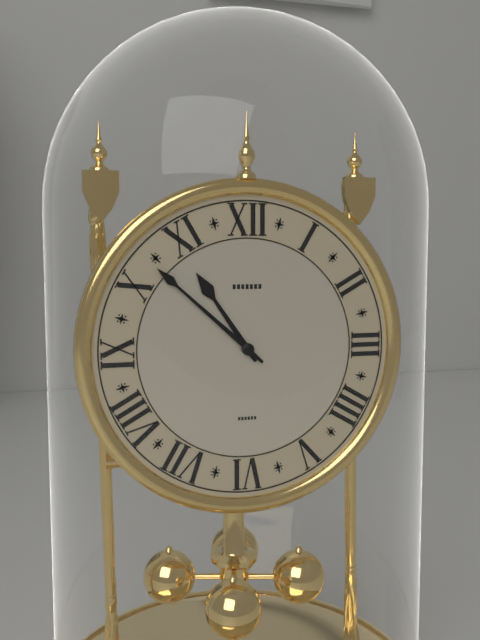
**10:52**
